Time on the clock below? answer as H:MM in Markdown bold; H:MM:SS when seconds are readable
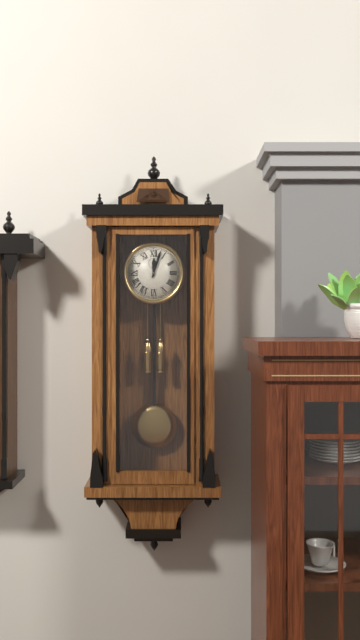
**12:03**
